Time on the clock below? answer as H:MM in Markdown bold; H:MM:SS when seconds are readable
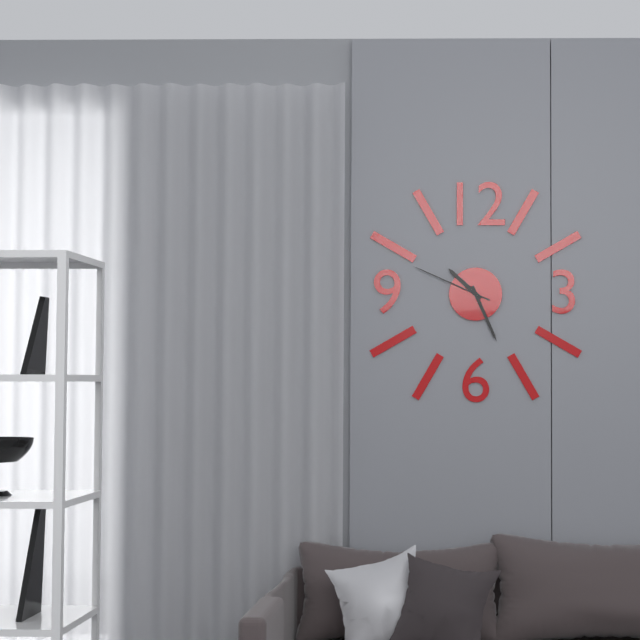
**10:26:49**
